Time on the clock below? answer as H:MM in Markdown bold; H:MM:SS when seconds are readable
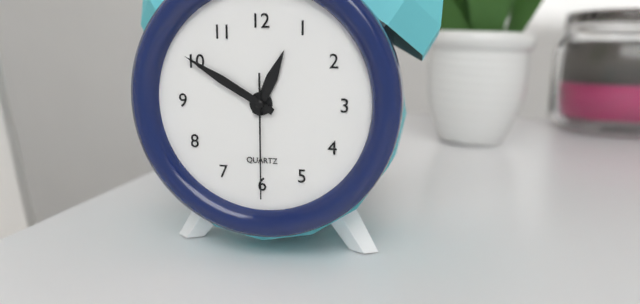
**12:50:30**
